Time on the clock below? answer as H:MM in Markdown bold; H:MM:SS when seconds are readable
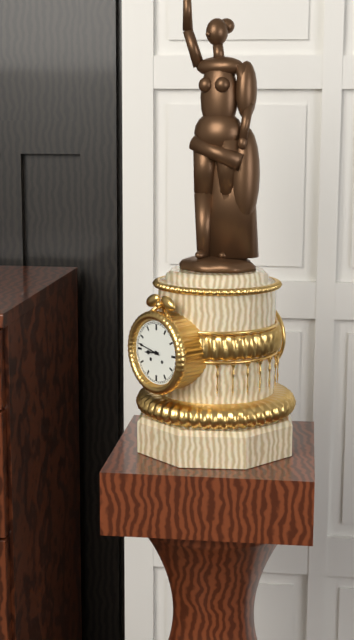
**8:47**
